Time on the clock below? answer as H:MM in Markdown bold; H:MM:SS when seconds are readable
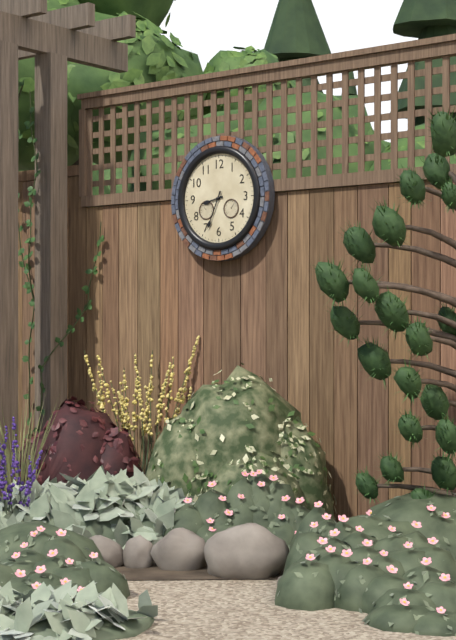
**8:34**
